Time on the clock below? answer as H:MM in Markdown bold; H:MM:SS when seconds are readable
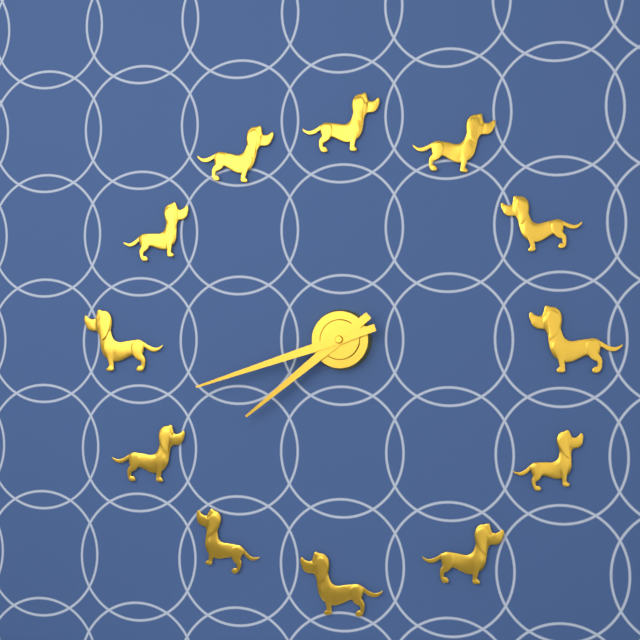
**7:42**
